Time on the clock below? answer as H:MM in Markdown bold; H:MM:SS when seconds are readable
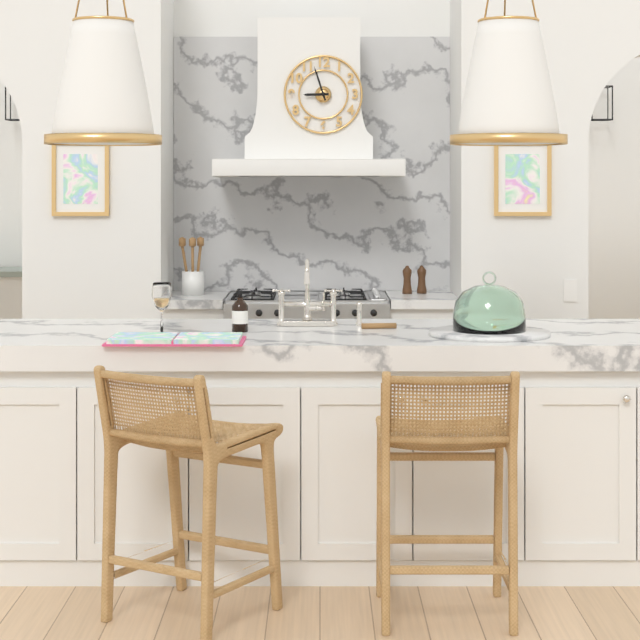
**8:57**
